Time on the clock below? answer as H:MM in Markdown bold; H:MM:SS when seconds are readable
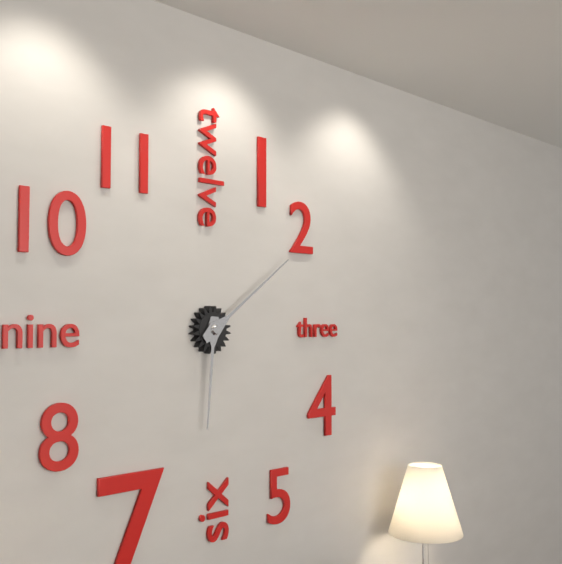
**6:09**
